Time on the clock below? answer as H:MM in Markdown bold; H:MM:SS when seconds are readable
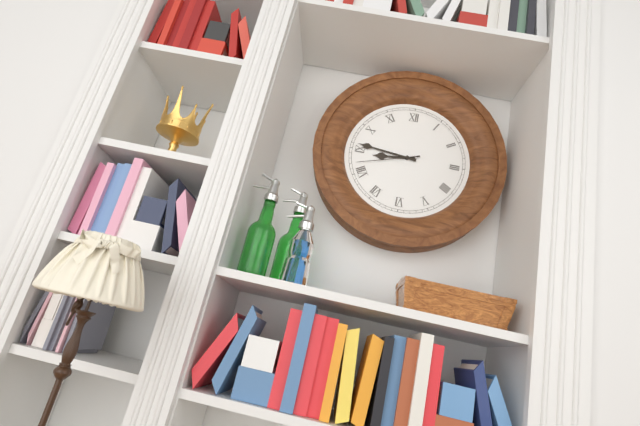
**8:46:42**
